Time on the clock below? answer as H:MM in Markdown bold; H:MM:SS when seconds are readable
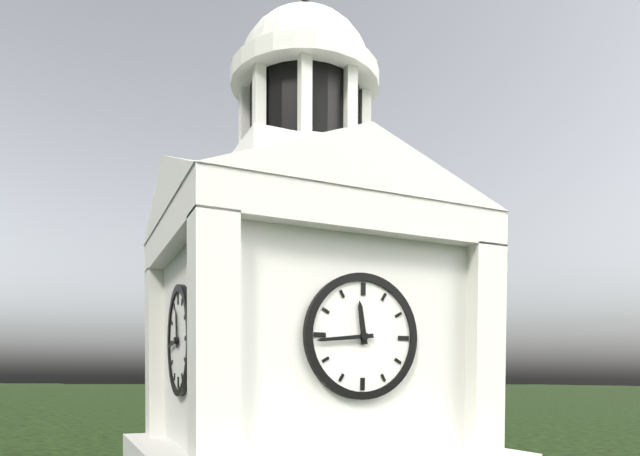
**11:44**
